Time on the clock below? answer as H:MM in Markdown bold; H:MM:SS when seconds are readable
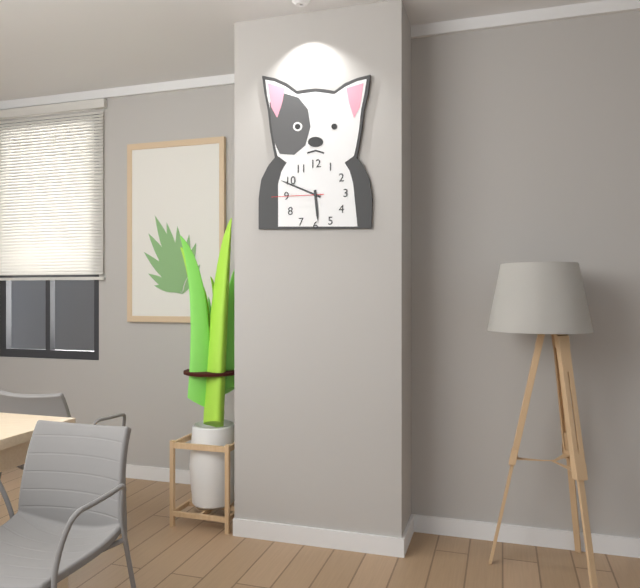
**5:49:45**
